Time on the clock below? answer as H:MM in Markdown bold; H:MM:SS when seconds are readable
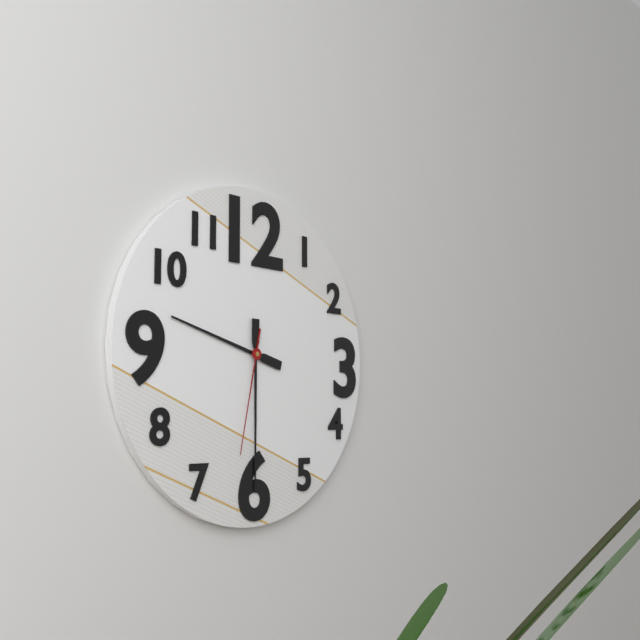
**9:30:32**
